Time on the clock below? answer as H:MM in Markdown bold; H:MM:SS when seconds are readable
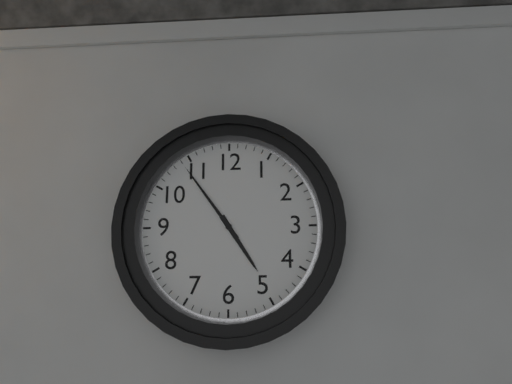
**4:54**
